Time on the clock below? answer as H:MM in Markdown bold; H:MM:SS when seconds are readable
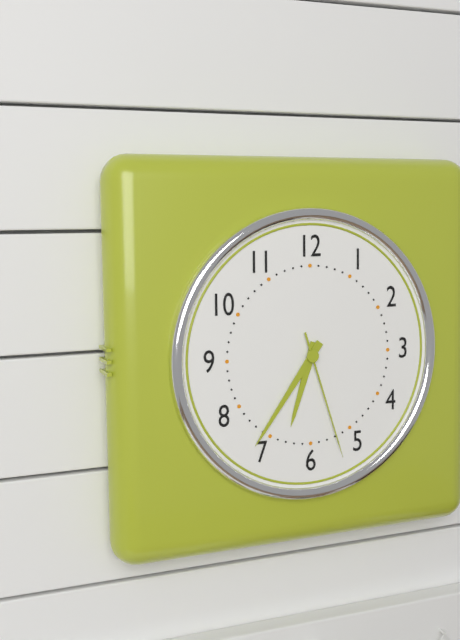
**6:36:27**
